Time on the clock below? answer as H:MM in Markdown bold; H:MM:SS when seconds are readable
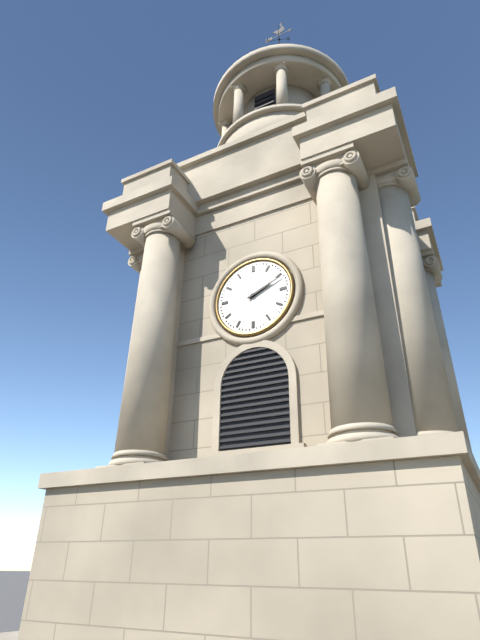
**2:11**
